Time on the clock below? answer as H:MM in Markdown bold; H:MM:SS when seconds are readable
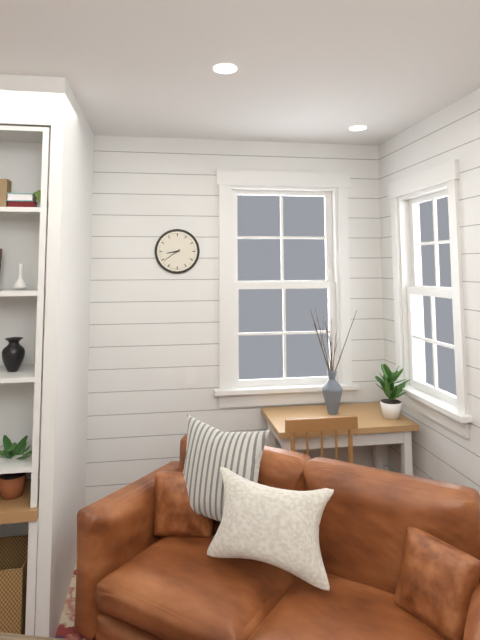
**8:39**
